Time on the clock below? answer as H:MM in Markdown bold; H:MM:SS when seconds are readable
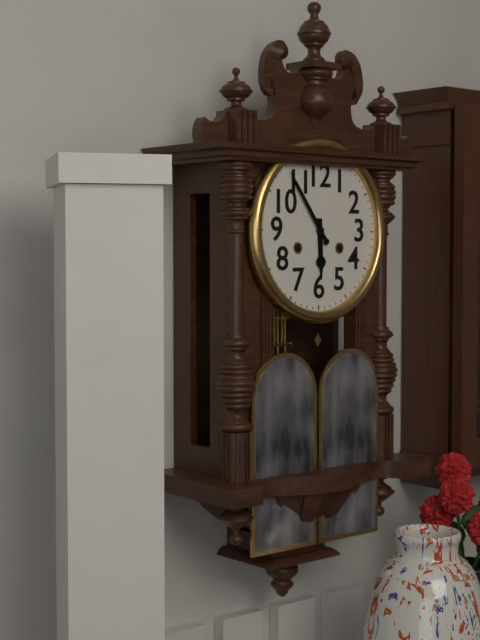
**5:54**
